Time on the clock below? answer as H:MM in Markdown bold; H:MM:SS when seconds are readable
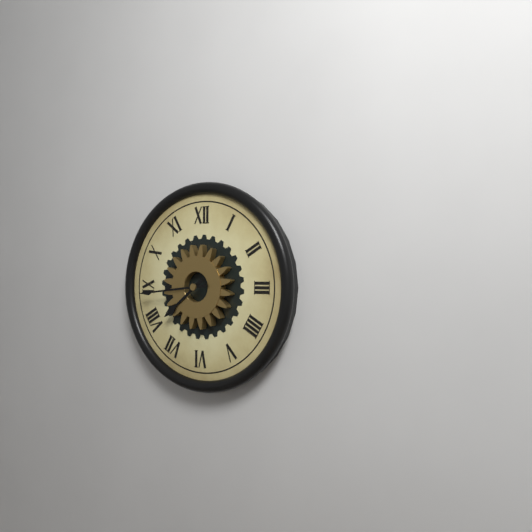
**7:44**
